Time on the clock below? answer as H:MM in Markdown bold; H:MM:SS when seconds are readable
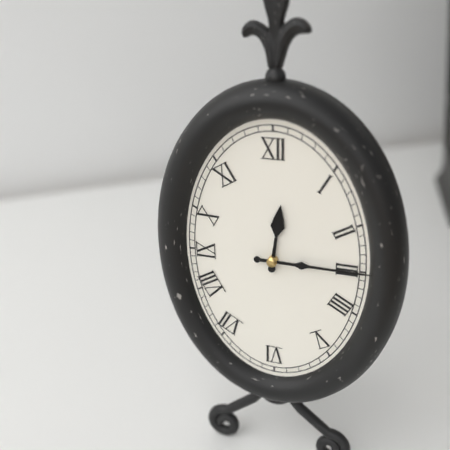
**12:15**
